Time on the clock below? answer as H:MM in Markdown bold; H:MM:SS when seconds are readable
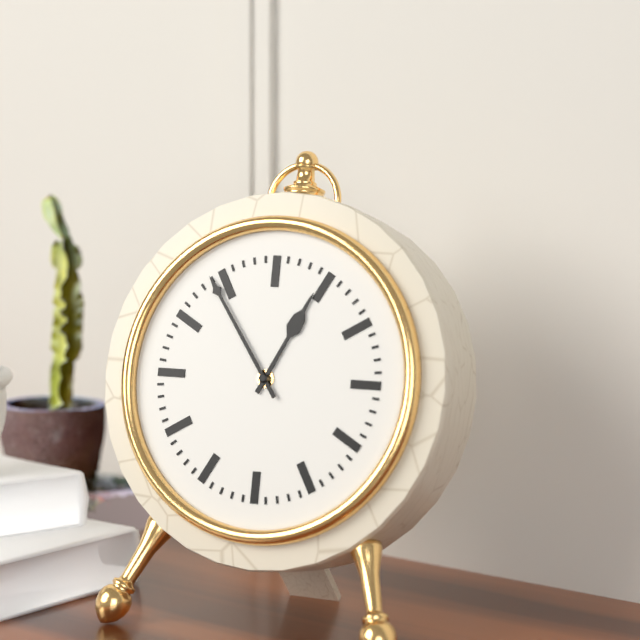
**12:54**
